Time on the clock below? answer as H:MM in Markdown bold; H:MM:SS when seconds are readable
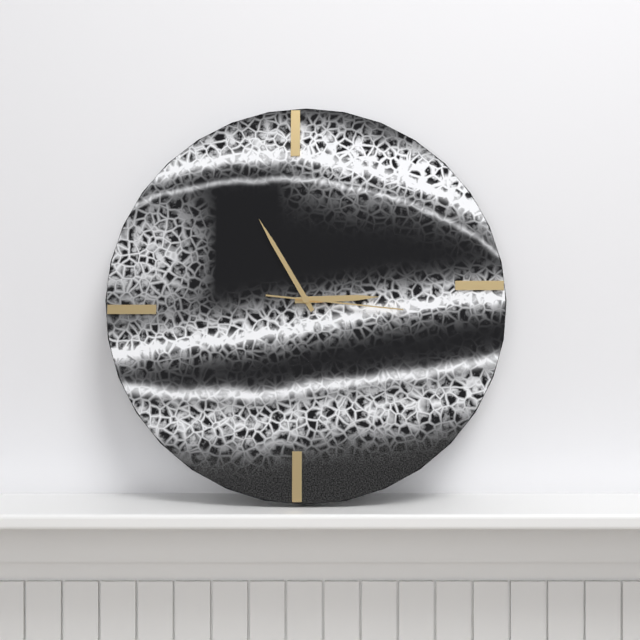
**2:55:16**
